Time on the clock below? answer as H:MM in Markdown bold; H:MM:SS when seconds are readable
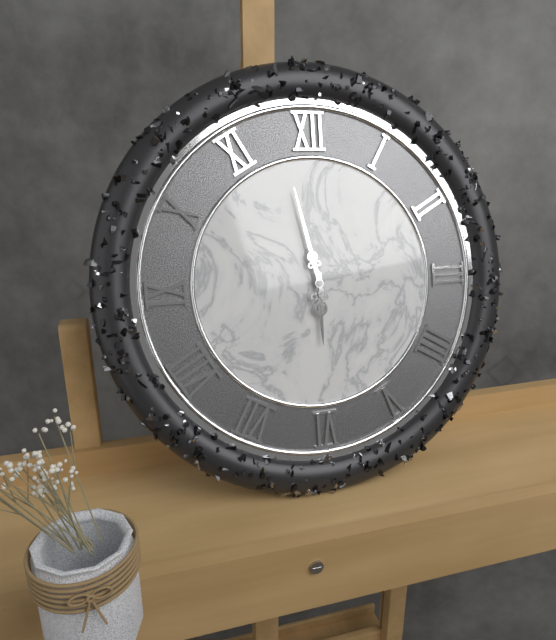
**5:58**
